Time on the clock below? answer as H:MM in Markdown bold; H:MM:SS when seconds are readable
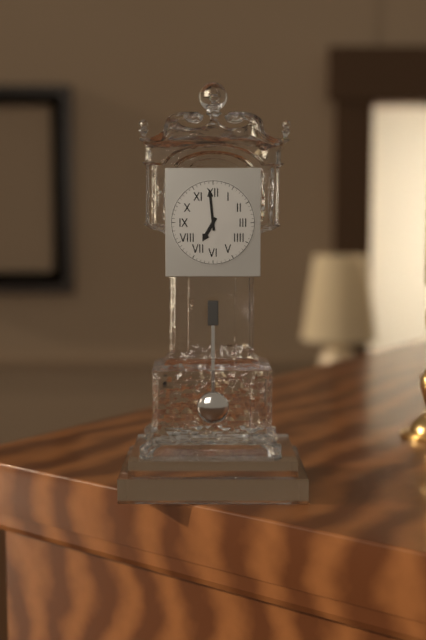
**6:59**
